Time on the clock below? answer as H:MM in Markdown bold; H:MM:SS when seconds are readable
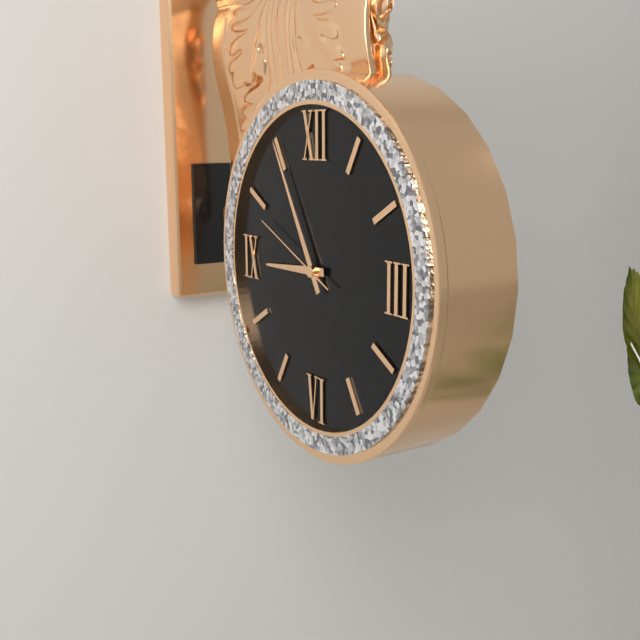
**8:55:49**
